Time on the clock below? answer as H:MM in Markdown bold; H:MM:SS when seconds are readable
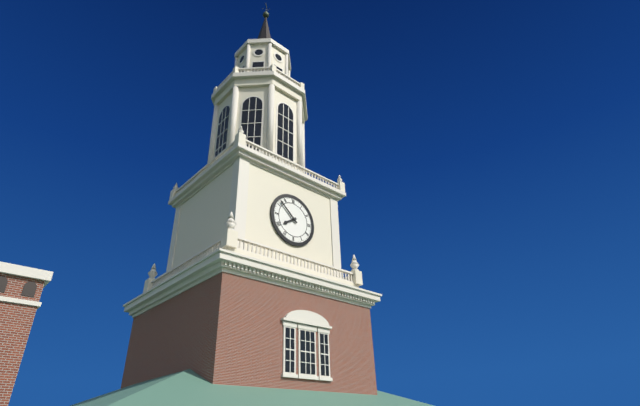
**7:52**
